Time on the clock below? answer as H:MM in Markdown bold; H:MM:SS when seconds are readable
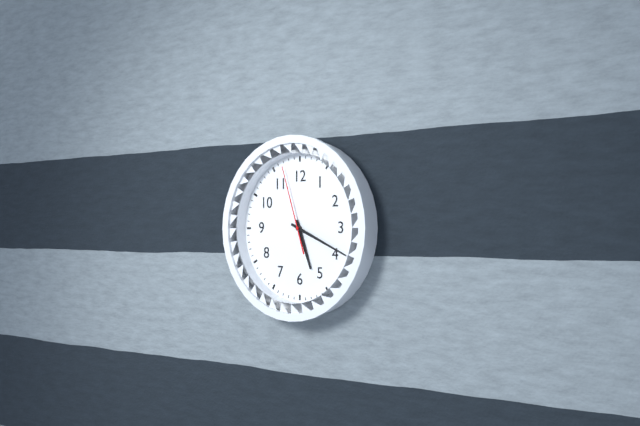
**5:19:57**
